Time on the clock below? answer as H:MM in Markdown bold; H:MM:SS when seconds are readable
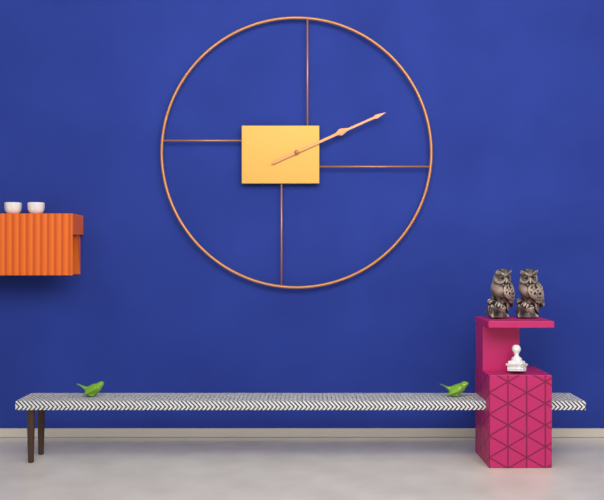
**2:11**
